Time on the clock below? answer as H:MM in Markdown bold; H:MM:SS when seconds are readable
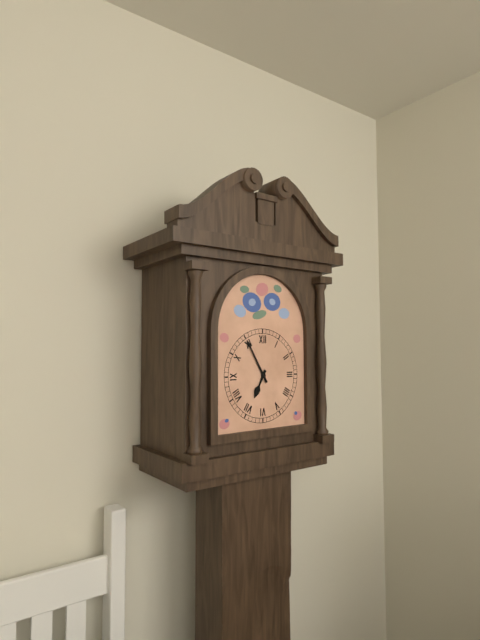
**6:55**
